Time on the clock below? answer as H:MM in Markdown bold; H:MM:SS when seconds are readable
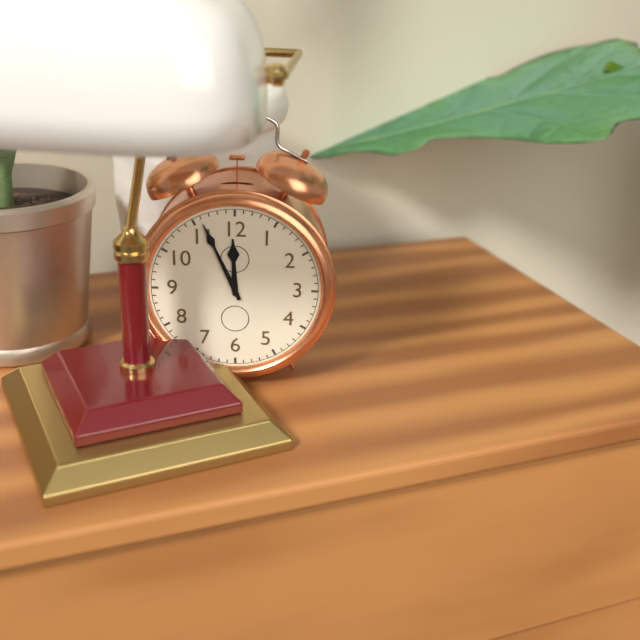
**11:56**
